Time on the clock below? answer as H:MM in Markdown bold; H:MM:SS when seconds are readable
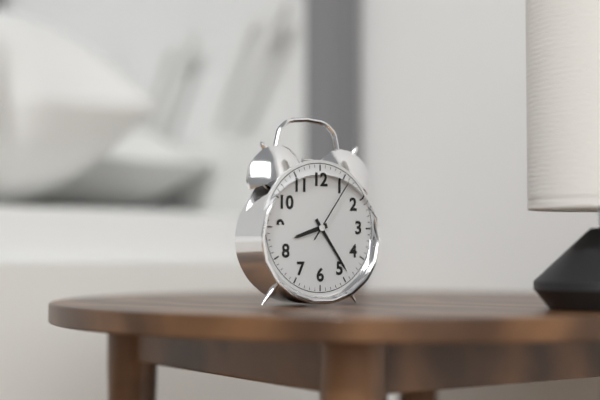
**8:24:06**
